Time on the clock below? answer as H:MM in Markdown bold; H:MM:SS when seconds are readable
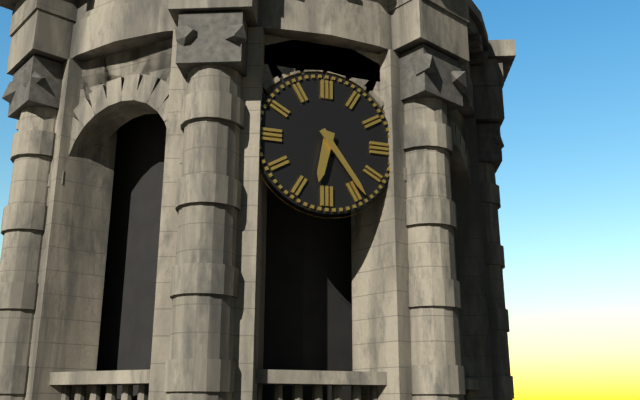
**6:24**
